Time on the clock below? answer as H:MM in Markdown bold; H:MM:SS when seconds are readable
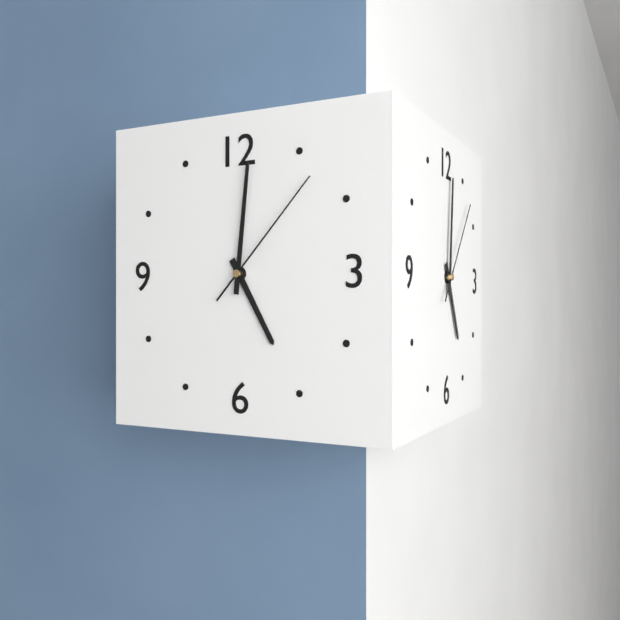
**5:01:07**
